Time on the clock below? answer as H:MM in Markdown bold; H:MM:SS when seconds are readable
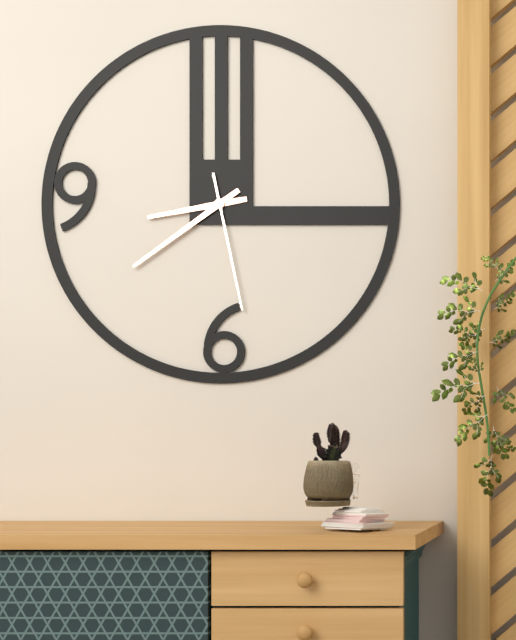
**8:39:28**
